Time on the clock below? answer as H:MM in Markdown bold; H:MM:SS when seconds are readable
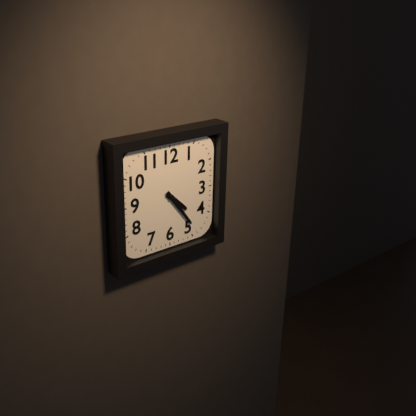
**4:24**
